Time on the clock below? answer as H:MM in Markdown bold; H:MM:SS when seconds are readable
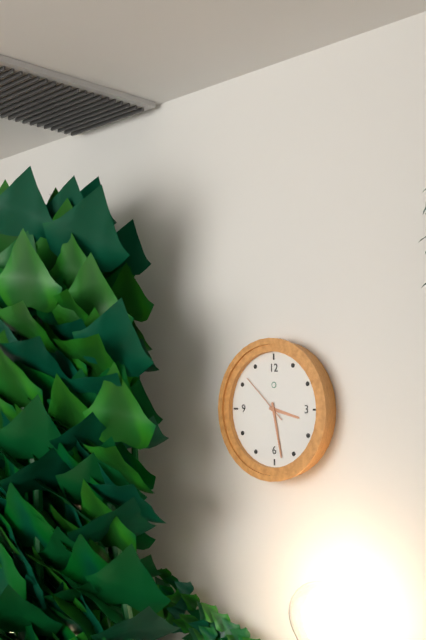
**3:28:52**
